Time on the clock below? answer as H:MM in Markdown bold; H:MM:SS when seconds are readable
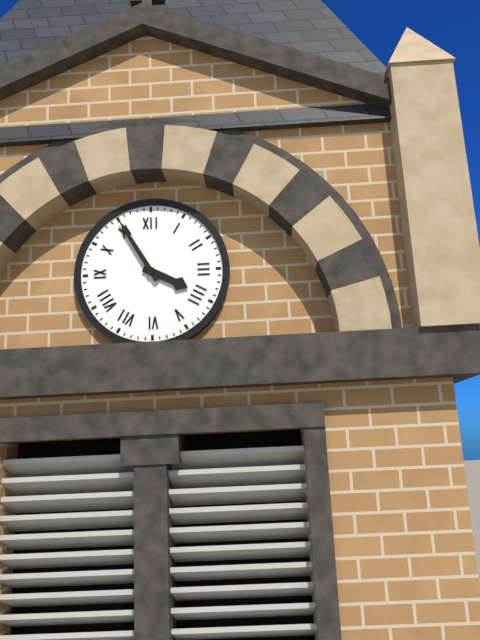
**3:55**
